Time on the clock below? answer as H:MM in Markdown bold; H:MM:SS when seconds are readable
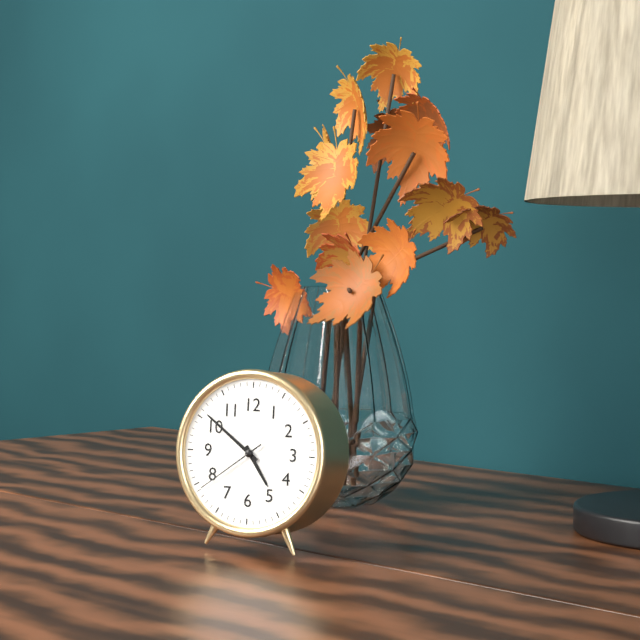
**4:51:39**
